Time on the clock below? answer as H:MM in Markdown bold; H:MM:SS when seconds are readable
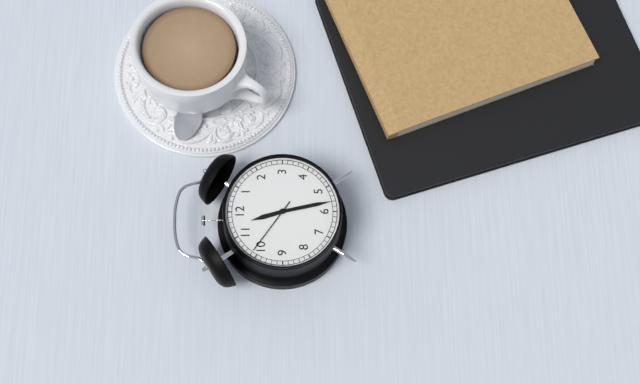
**11:28:51**
